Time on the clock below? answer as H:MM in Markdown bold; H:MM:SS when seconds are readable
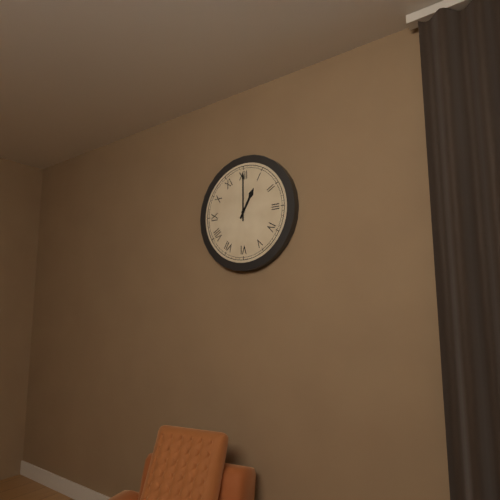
**1:00**
